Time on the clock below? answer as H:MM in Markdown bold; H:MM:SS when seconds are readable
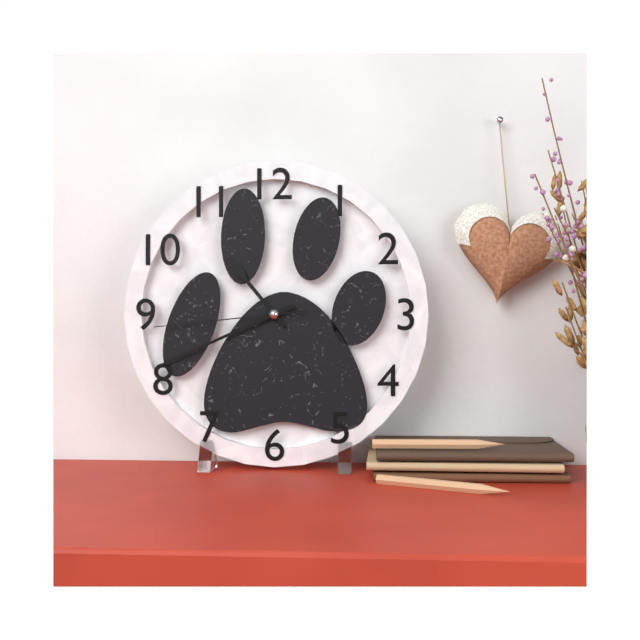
**10:41:44**
